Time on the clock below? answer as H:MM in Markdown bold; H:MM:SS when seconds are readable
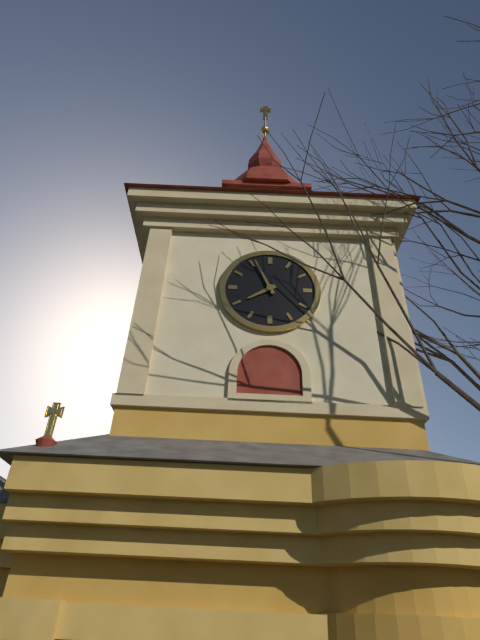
**7:56**
